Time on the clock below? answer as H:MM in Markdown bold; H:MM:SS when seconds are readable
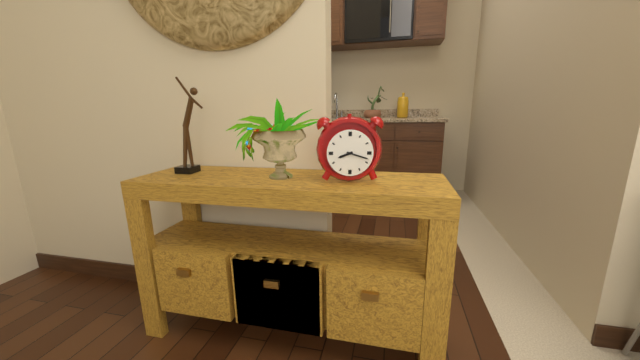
**8:18**
